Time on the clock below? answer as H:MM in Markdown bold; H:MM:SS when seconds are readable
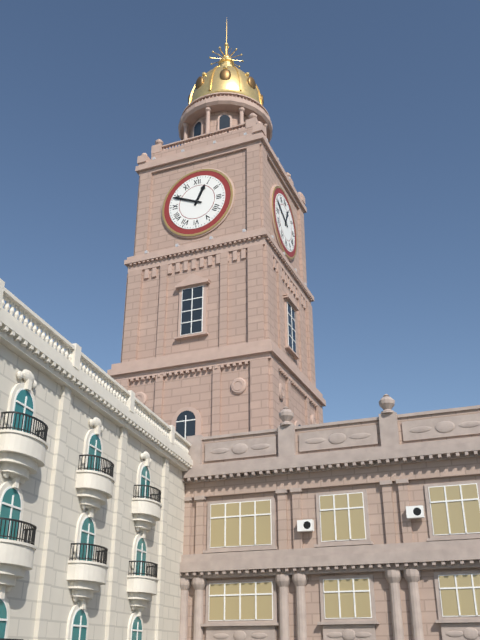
**12:49**
